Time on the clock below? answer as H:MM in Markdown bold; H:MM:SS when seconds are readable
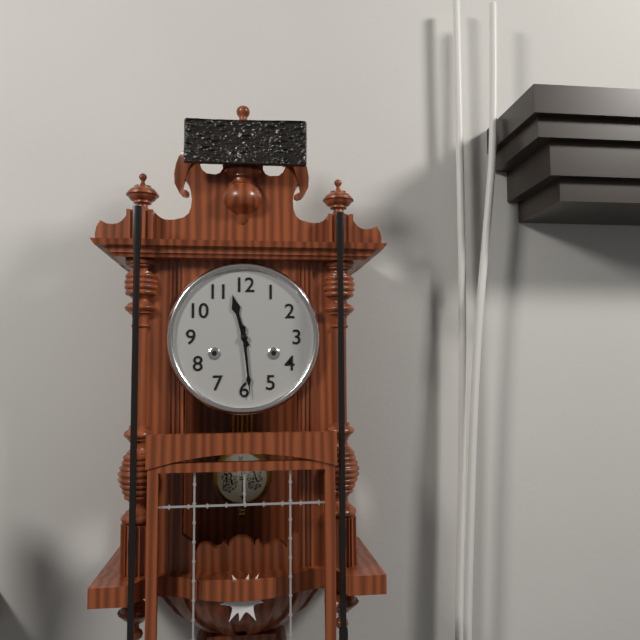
**11:29**
